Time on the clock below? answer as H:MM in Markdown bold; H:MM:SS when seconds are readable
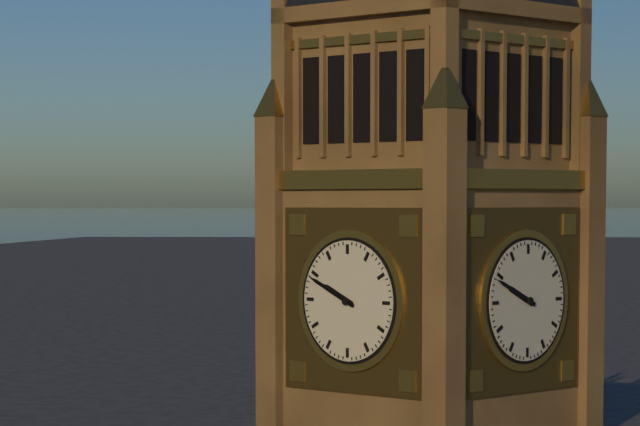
**9:49**
